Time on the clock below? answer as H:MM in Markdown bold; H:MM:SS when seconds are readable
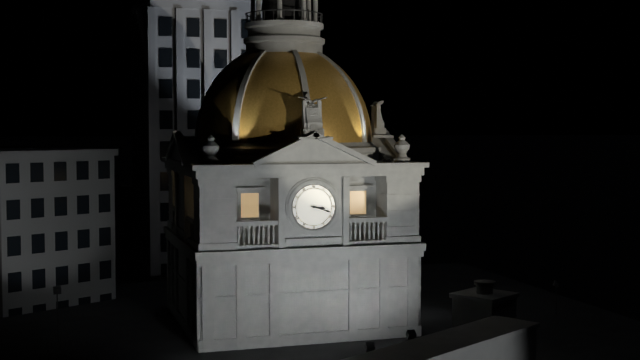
**3:18**
